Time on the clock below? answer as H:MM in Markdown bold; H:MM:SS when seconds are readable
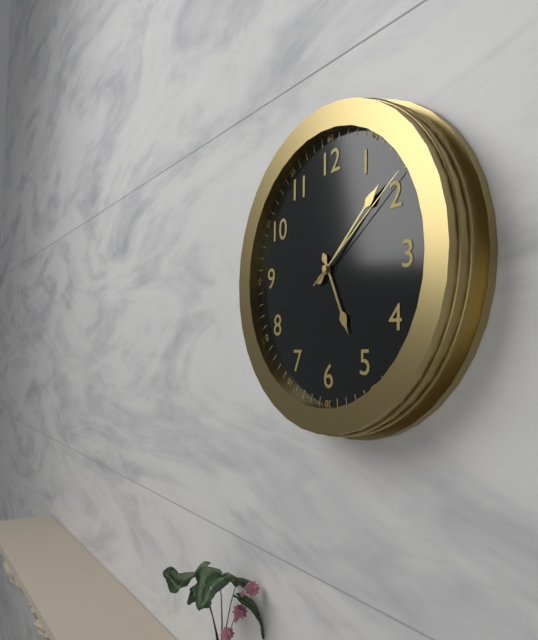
**5:08:09**
